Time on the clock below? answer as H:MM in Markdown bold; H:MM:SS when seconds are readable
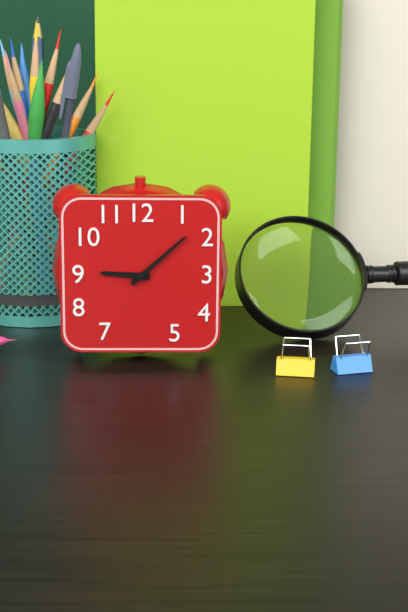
**9:08**
